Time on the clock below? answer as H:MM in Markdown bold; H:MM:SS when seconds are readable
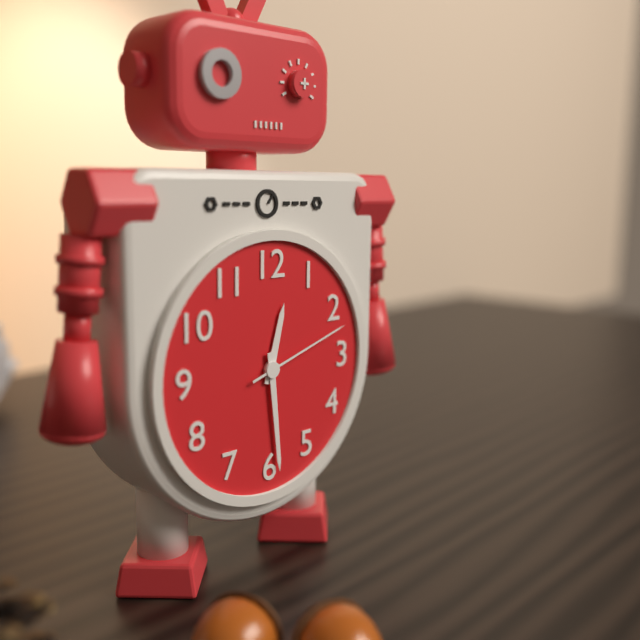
**12:29:12**
